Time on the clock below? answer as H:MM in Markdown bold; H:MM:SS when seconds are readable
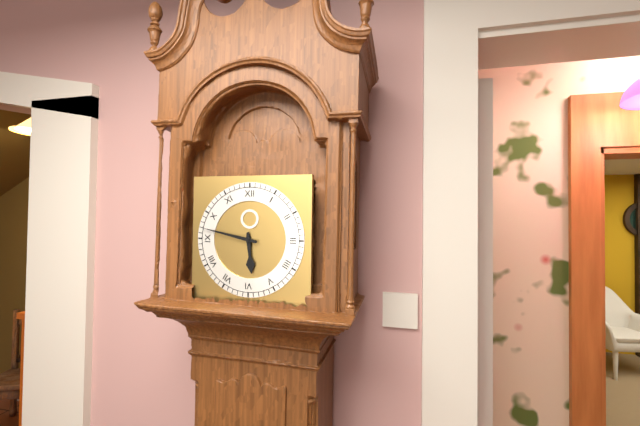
**5:47**
